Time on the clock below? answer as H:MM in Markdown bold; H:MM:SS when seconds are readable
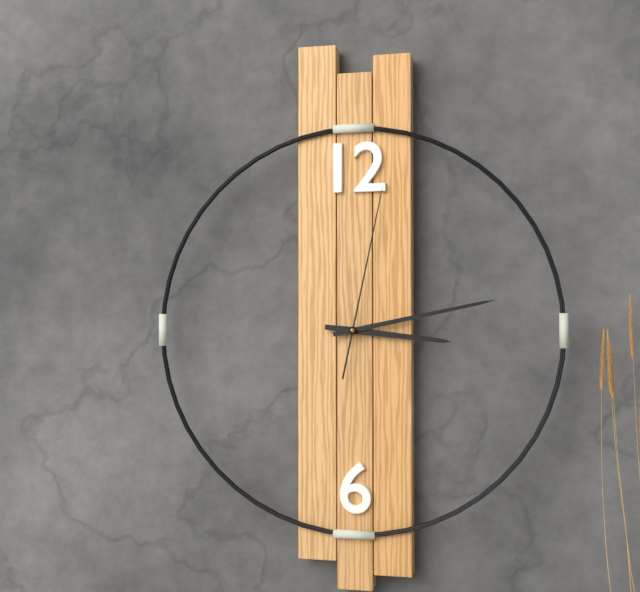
**3:13:02**
